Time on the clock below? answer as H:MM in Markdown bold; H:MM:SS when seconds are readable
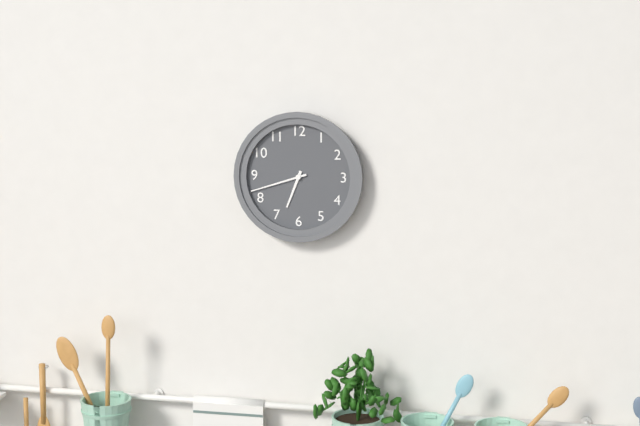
**6:42**
